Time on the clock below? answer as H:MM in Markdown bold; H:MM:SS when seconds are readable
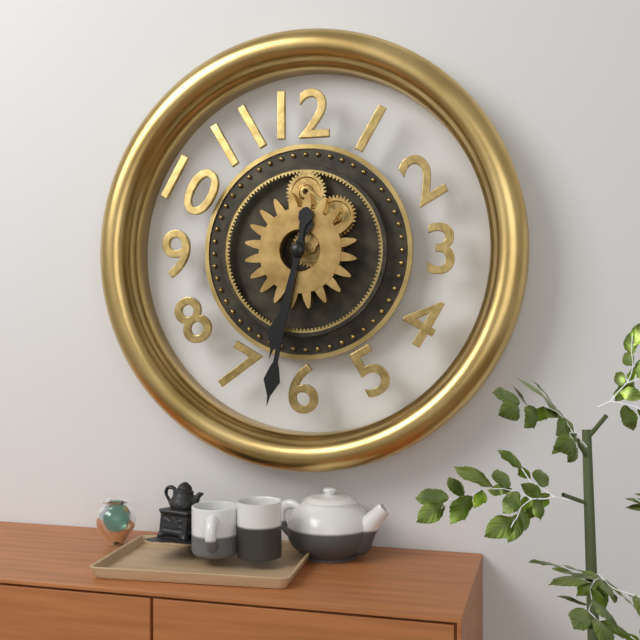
**6:32**
